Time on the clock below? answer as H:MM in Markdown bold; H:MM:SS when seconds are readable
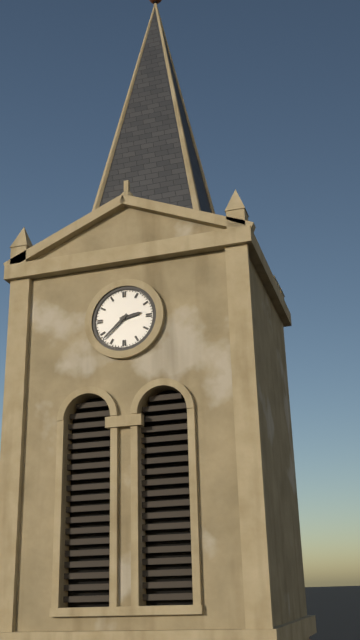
**2:38**
